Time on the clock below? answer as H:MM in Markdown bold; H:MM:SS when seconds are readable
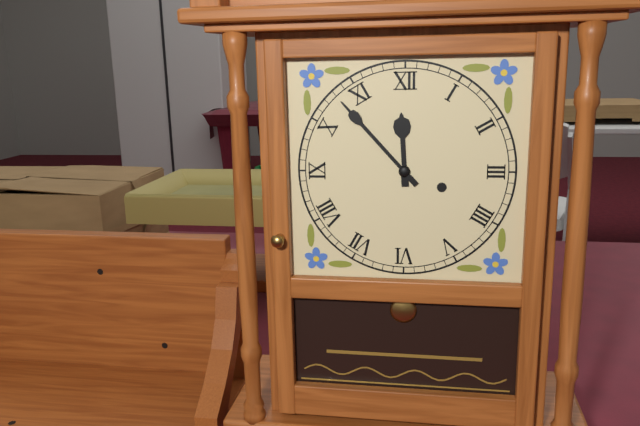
**11:53**
